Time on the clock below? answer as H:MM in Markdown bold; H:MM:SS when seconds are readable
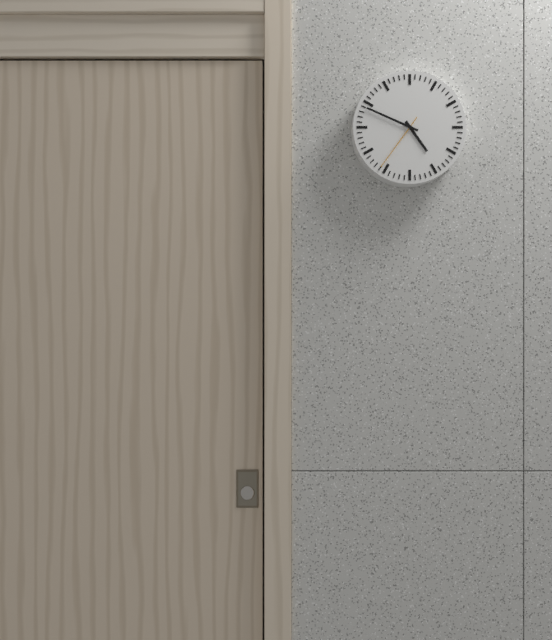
**4:49:36**
